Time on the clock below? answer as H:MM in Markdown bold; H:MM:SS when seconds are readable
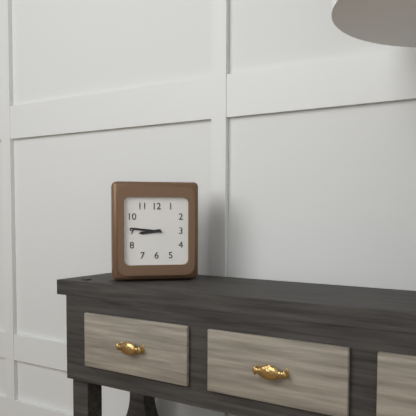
**8:46**
